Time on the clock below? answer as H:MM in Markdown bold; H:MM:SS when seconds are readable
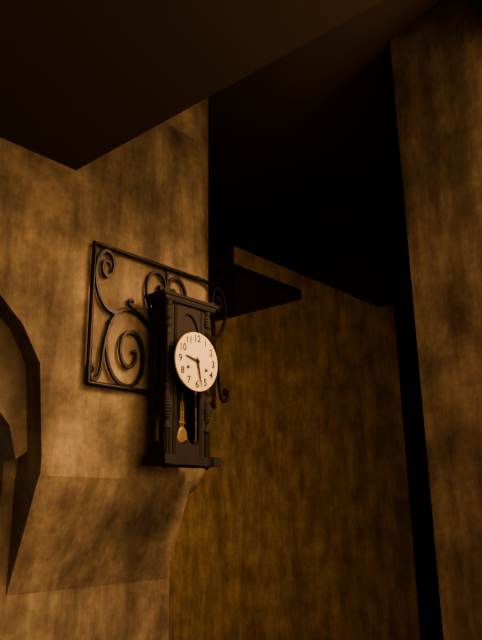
**9:28**
